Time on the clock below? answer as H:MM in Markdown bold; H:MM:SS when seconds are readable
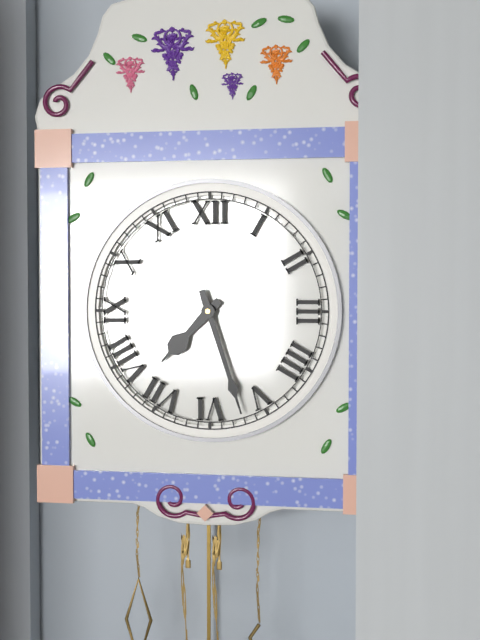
**7:27**
